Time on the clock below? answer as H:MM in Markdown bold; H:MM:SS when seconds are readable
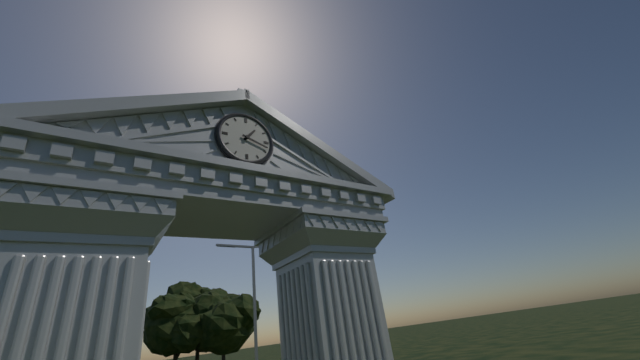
**1:18**
